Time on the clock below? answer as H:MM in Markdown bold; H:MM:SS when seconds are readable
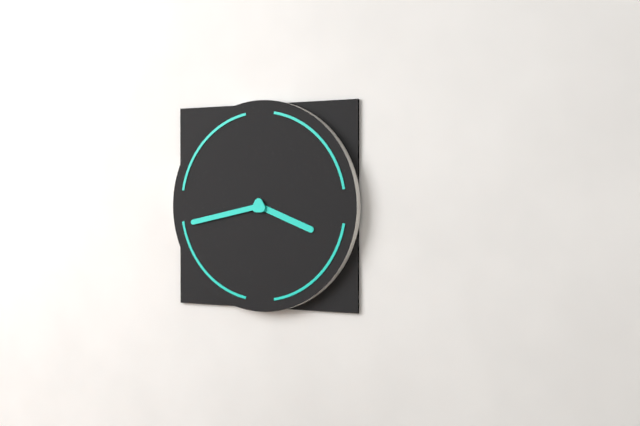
**3:43**
